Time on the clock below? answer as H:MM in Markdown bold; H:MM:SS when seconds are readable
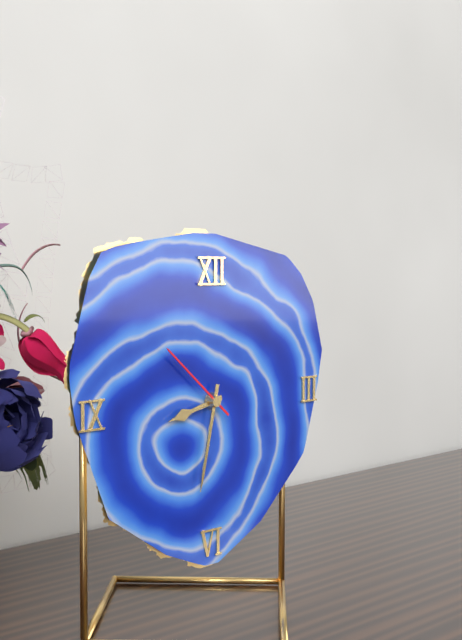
**8:32:52**
